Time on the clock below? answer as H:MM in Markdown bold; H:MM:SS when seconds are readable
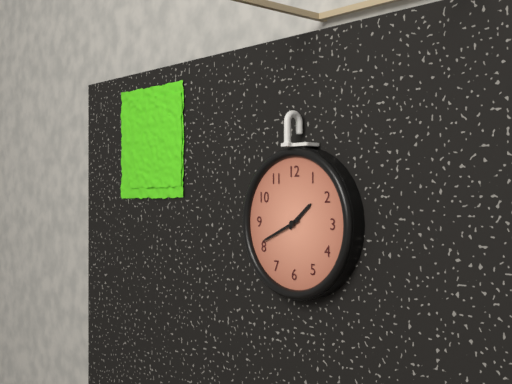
**1:41**
